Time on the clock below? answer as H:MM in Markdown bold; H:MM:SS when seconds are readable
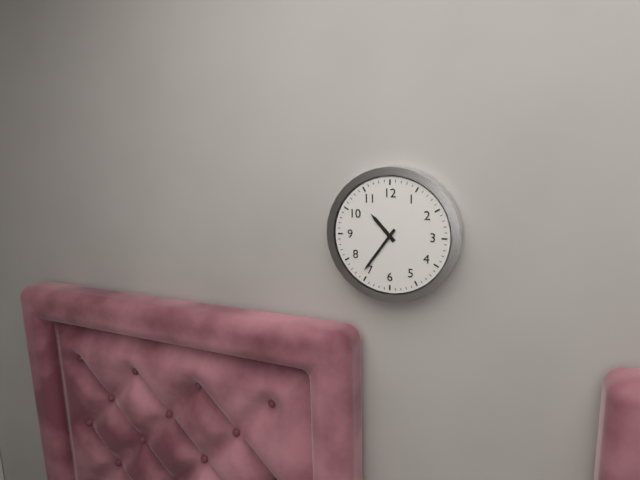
**10:36**
